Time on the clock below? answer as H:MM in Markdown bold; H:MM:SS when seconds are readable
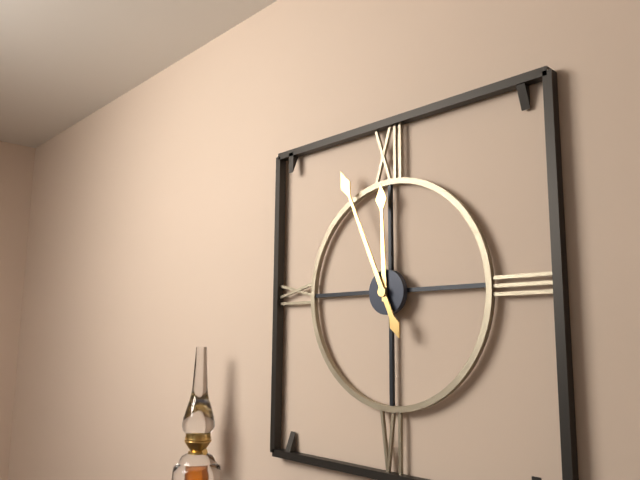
**11:56**
